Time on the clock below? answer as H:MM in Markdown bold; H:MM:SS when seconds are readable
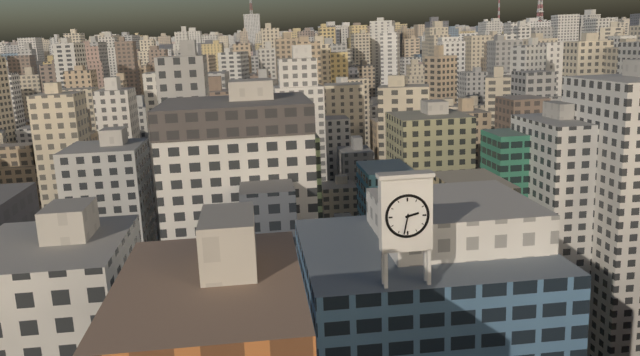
**2:32**
